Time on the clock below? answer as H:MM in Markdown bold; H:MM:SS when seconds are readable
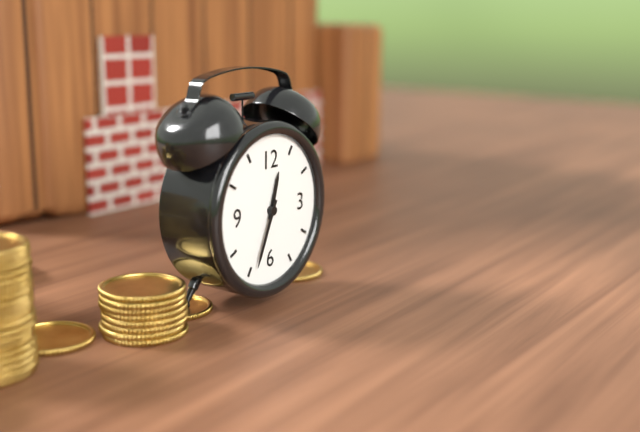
**12:34**
